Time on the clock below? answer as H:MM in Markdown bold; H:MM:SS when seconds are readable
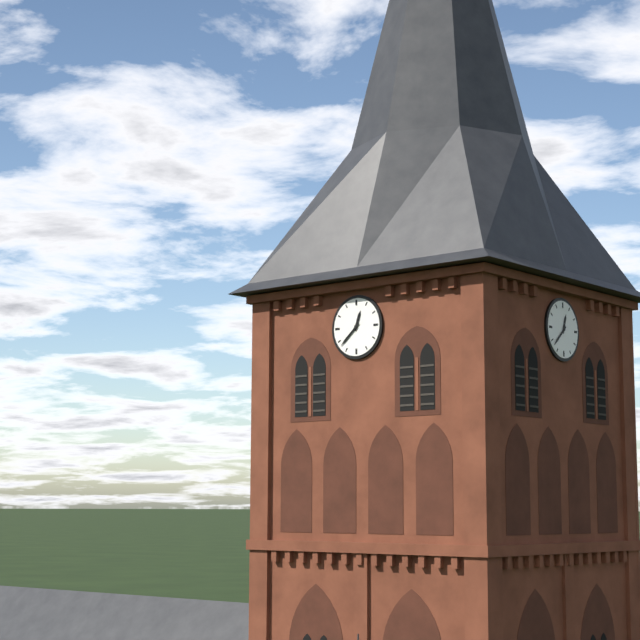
**12:38**
